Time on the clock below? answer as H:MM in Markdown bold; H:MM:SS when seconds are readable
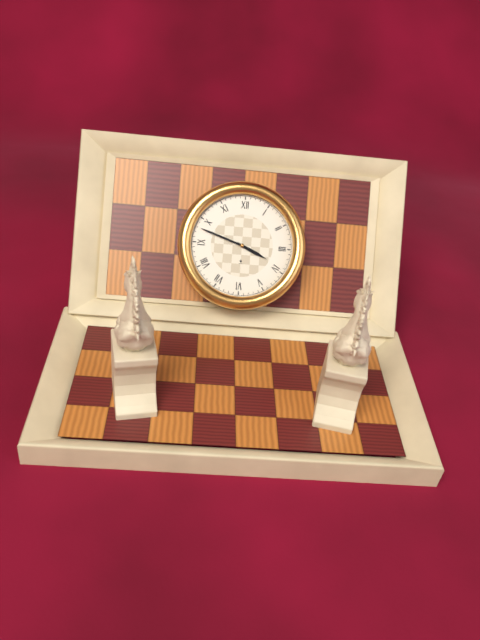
**3:48**
